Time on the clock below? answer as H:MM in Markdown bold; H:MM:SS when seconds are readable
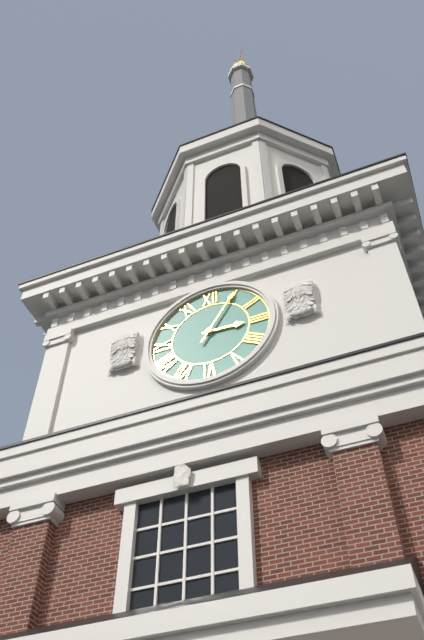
**3:05**
